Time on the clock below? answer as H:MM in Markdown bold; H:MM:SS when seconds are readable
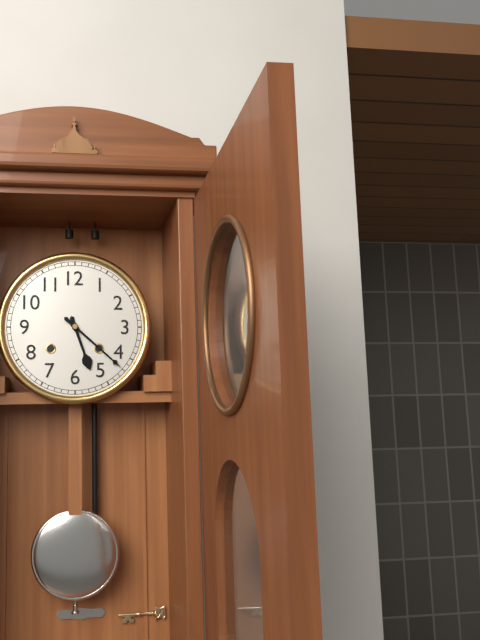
**5:22**
